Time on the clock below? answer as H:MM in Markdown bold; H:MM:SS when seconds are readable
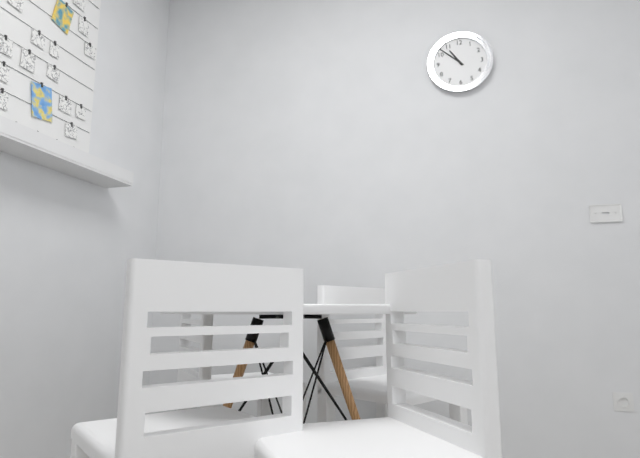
**10:52**
